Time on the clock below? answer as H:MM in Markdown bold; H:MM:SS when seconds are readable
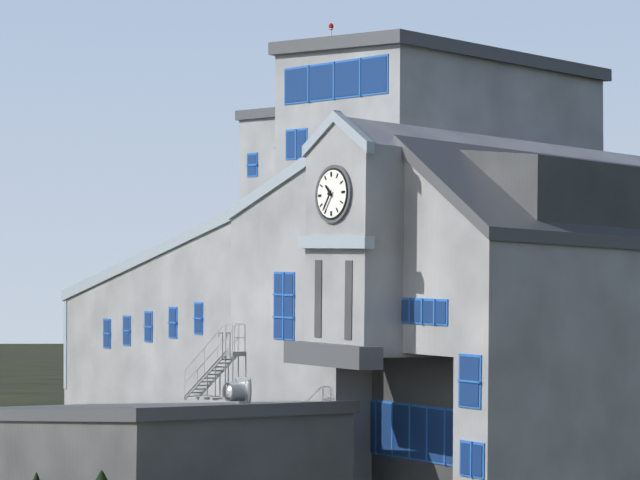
**10:36**
